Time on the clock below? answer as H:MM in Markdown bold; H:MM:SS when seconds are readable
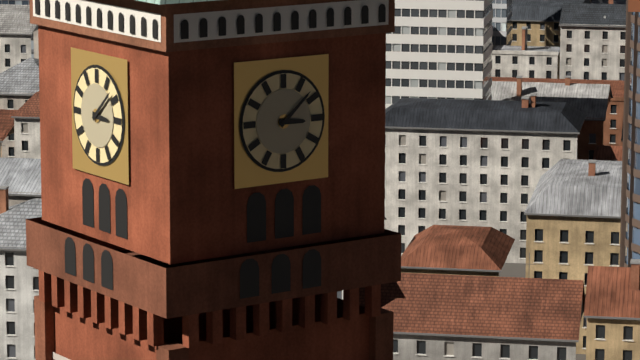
**3:08**
